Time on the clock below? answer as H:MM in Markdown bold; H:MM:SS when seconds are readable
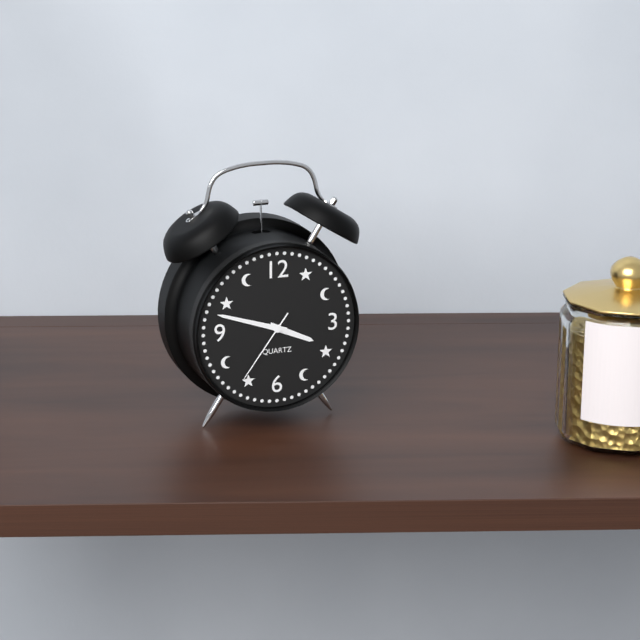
**3:48:36**
